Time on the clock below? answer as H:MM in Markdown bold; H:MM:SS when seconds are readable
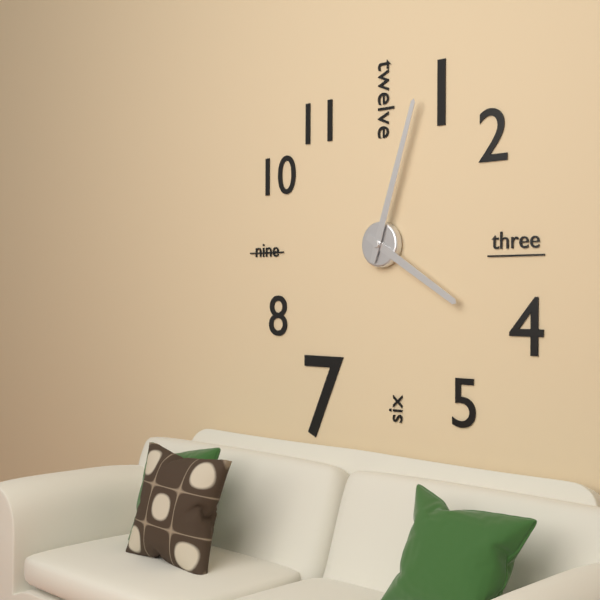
**4:03**
